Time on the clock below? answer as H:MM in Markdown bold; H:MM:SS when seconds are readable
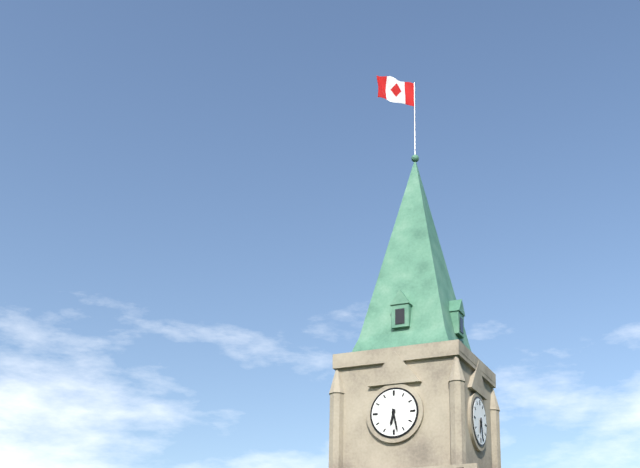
**6:28**
